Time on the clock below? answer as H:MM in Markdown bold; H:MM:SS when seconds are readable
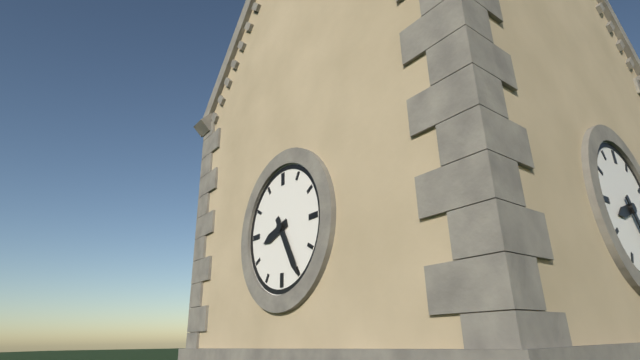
**8:25**
